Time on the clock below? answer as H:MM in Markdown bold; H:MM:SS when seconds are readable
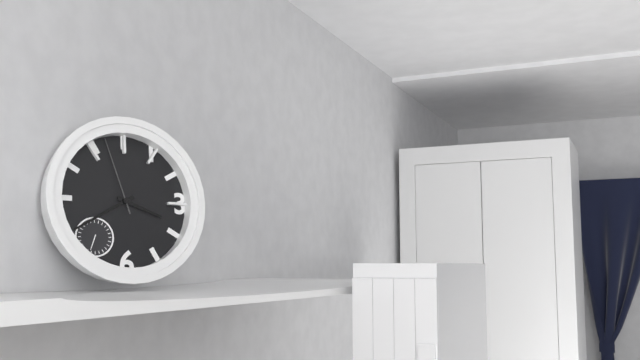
**3:40:57**
